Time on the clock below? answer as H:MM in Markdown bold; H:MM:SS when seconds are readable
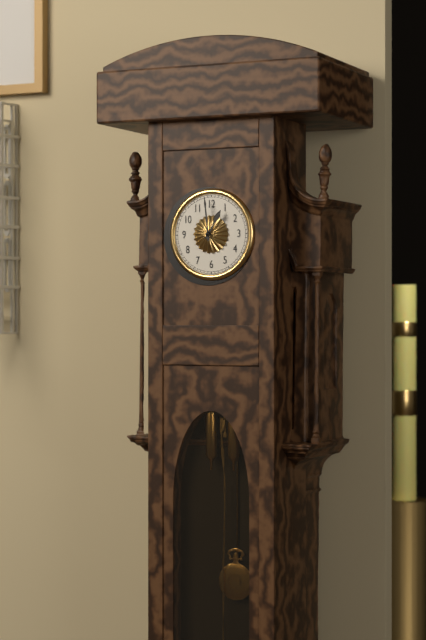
**12:59**
